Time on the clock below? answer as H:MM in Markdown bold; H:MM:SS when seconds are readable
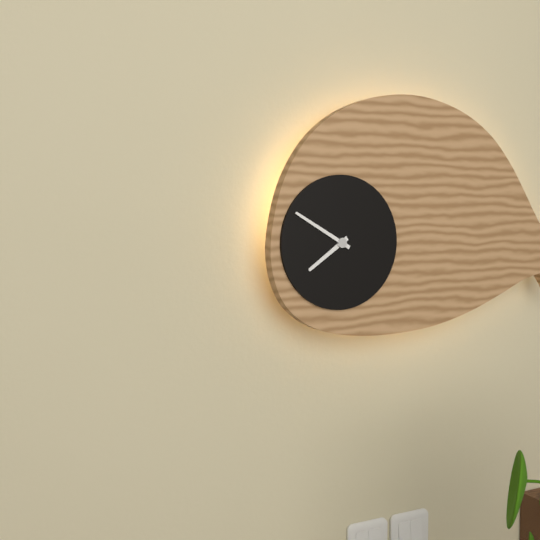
**7:50**
